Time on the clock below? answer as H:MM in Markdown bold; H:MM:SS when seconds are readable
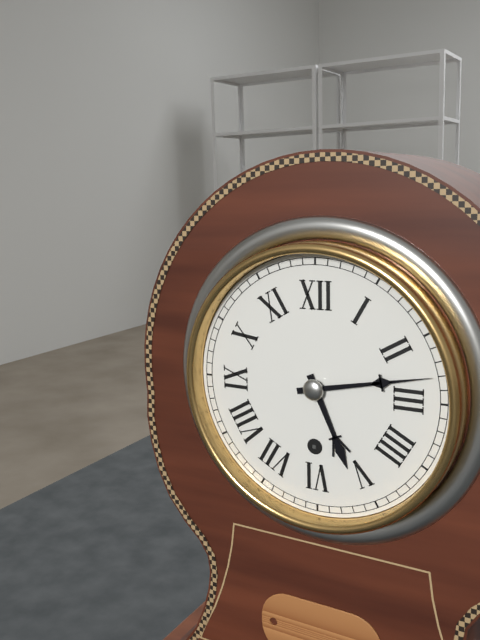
**5:13**
